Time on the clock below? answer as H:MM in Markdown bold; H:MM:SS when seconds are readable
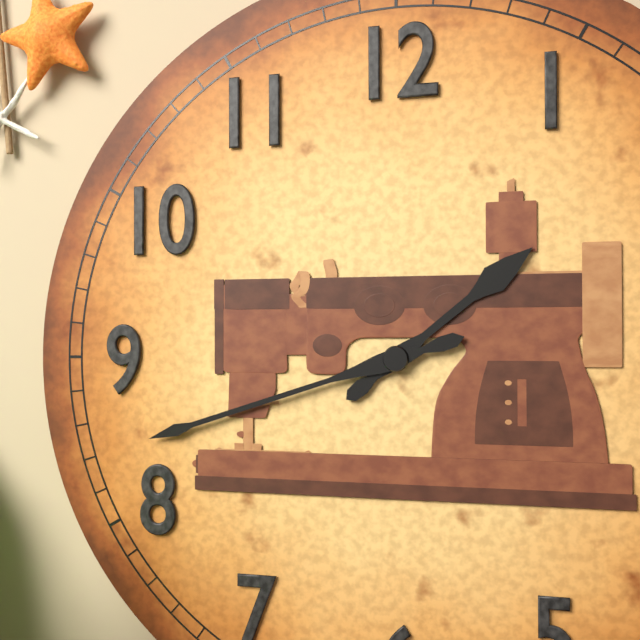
**1:42**
